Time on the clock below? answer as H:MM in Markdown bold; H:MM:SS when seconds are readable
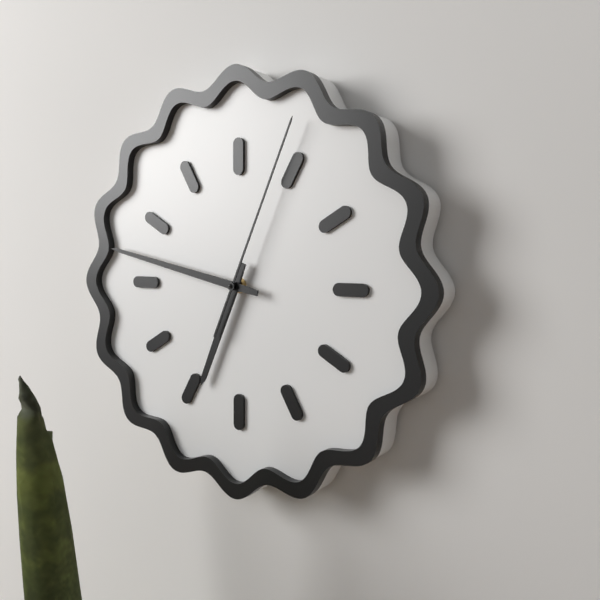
**6:47:04**
